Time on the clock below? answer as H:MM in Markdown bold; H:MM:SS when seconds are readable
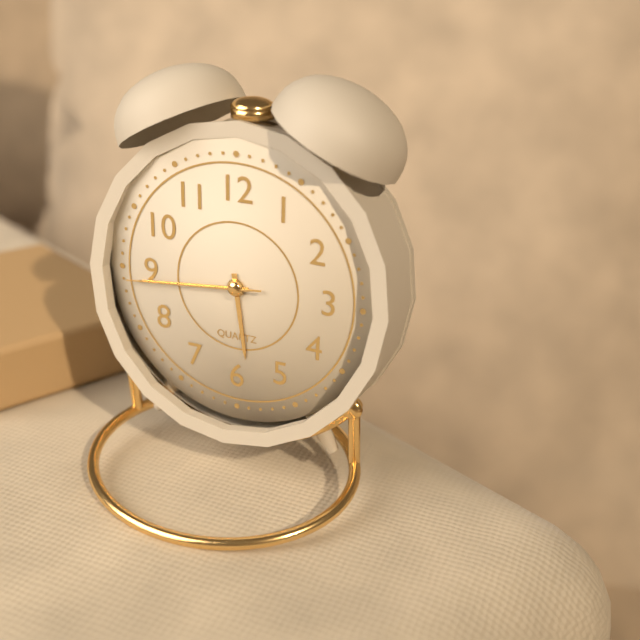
**5:44:44**
